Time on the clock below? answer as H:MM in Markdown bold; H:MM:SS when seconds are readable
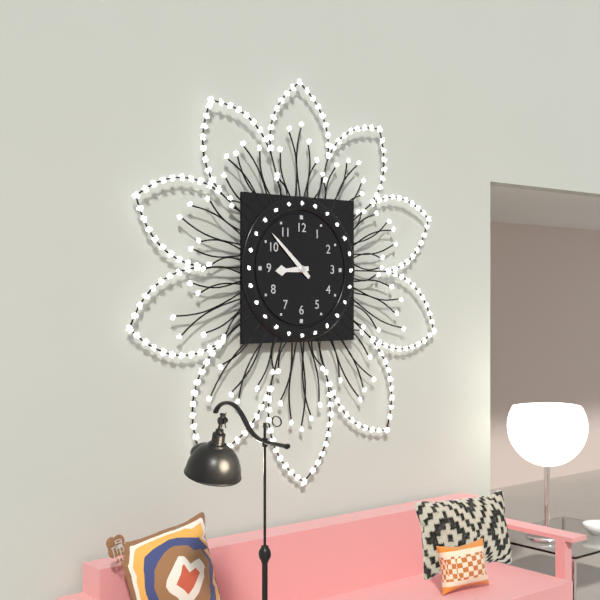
**8:52**
